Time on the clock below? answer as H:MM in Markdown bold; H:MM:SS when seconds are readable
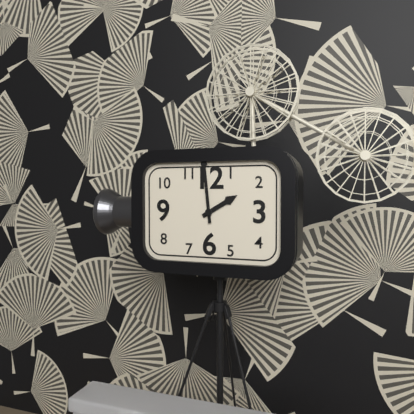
**1:59**
